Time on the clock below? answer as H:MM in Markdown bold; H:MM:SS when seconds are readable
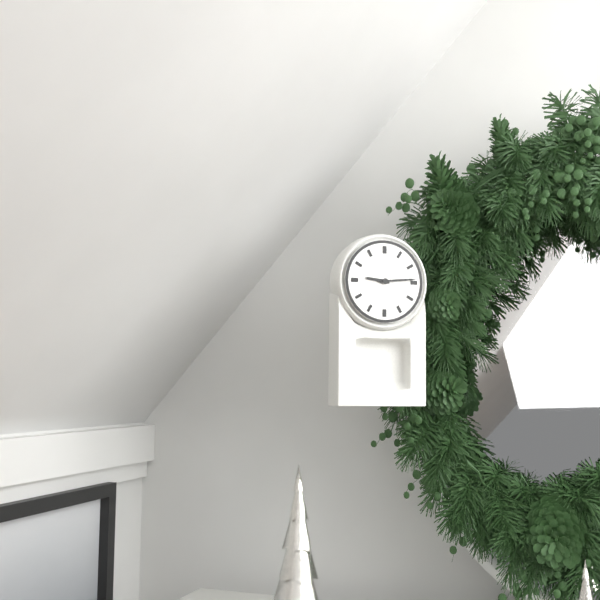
**9:14**
